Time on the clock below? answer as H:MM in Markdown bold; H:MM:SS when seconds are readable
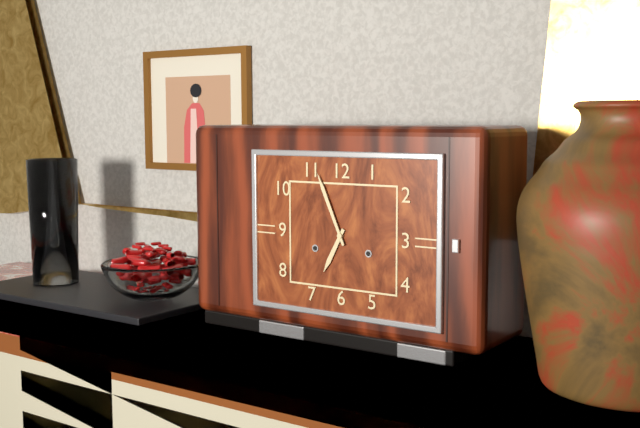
**6:56**
